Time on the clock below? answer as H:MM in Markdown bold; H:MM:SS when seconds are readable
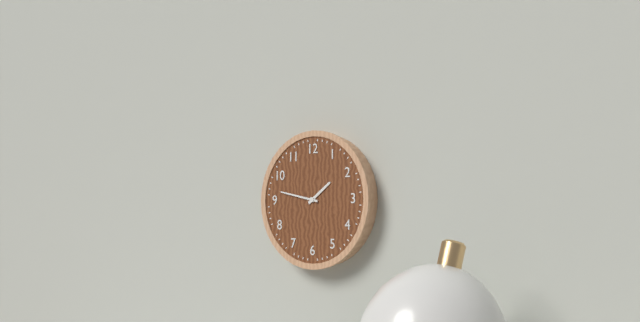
**1:47**
